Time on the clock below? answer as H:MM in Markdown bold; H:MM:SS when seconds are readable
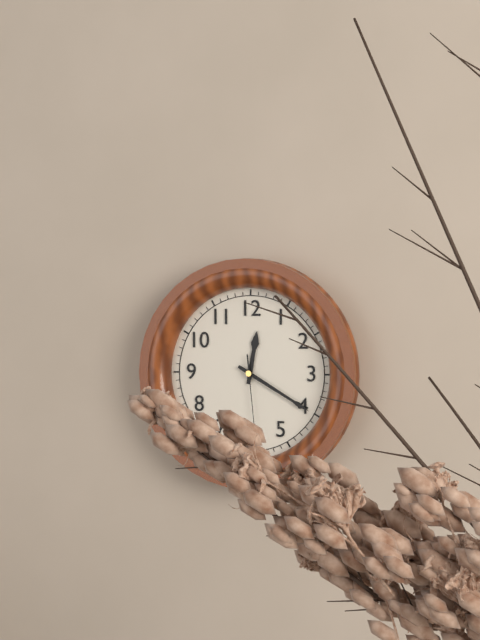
**12:20**
